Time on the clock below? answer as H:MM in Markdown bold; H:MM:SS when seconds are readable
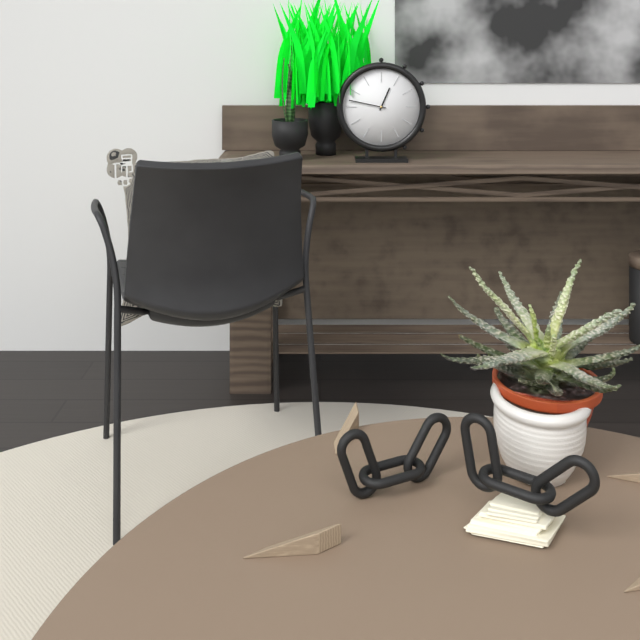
**12:47**
